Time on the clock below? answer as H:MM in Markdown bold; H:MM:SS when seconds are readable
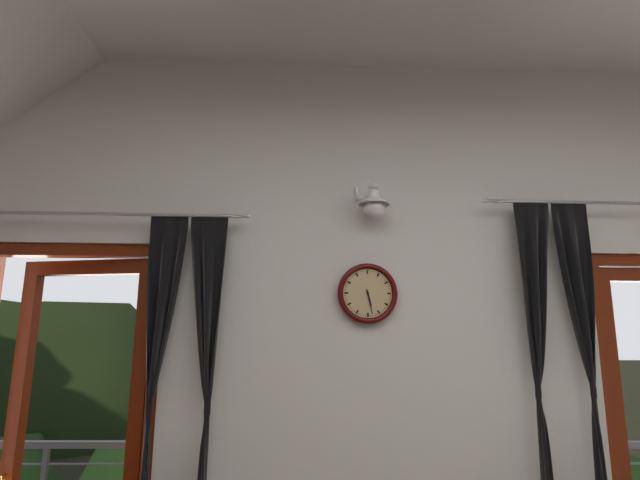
**5:28**
